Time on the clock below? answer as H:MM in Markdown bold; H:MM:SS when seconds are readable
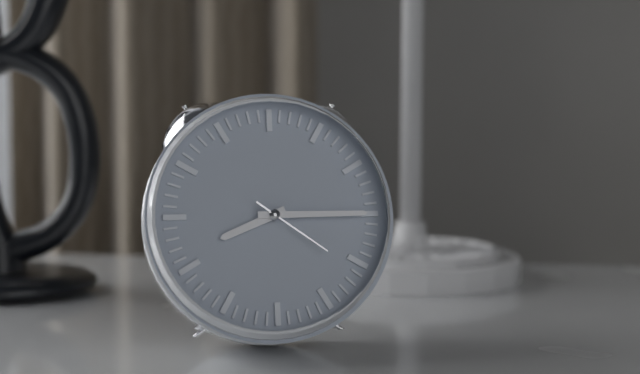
**8:15:21**
